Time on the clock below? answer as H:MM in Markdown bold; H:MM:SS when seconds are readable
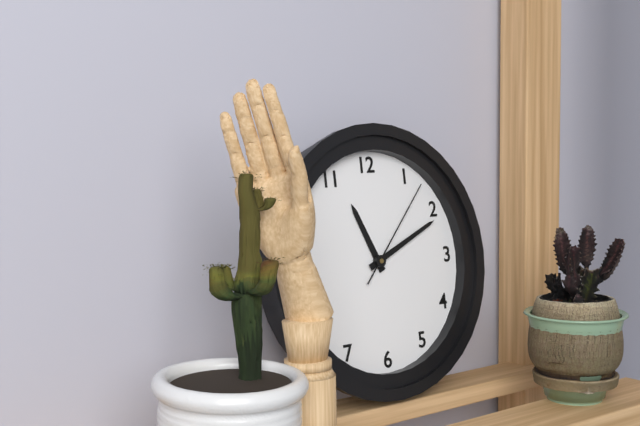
**11:11:07**
